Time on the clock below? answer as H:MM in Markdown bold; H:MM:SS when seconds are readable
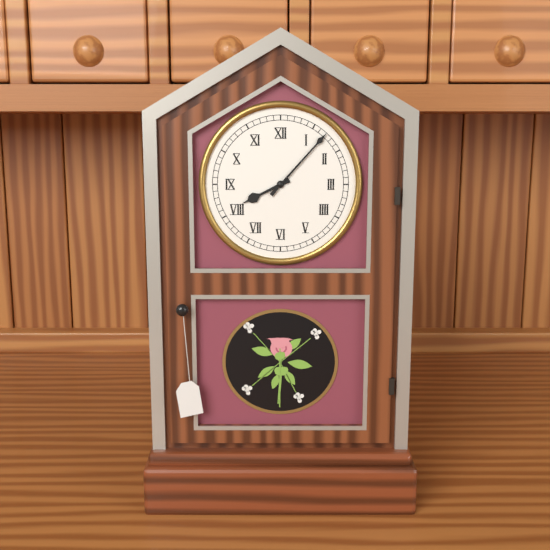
**8:07**
